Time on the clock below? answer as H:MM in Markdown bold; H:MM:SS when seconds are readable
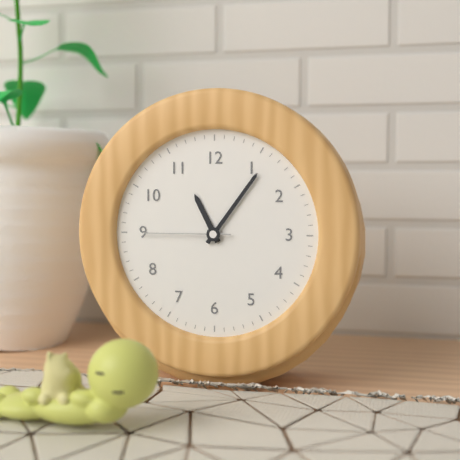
**11:06:45**
